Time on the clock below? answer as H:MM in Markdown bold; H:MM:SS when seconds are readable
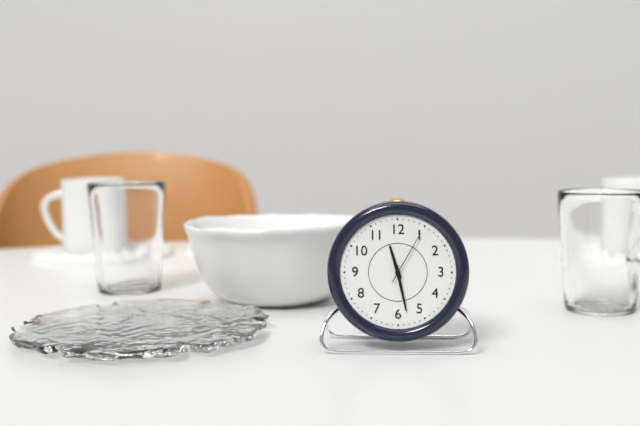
**11:28:05**
